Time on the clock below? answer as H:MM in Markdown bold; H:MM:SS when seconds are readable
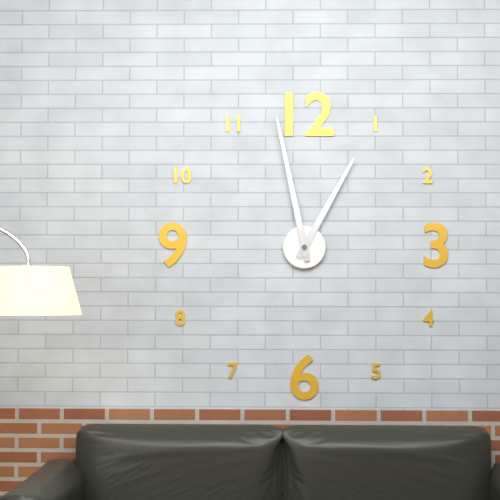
**12:58**
